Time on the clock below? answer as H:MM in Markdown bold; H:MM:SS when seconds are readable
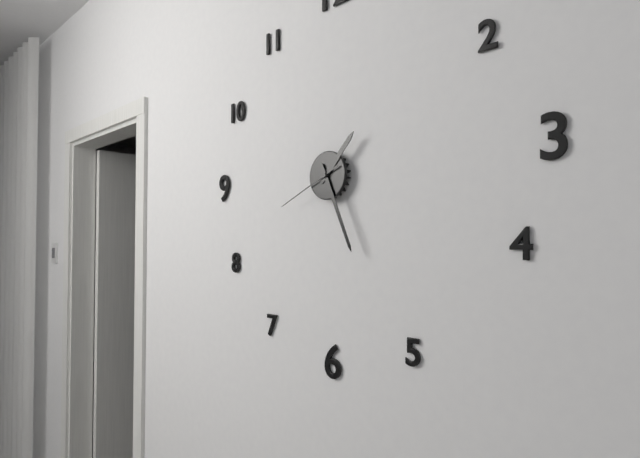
**1:26:41**
